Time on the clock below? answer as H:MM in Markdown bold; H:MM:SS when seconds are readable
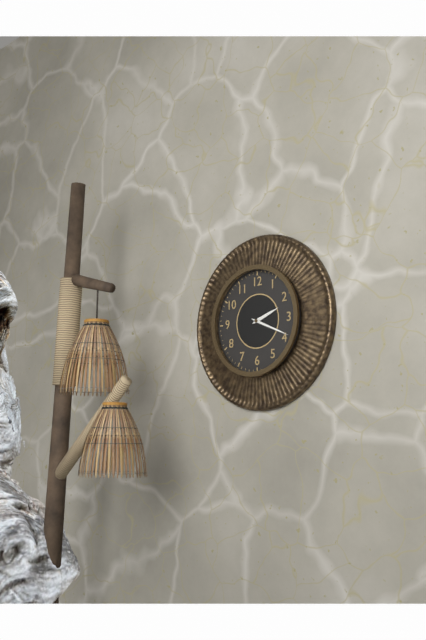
**2:19**
